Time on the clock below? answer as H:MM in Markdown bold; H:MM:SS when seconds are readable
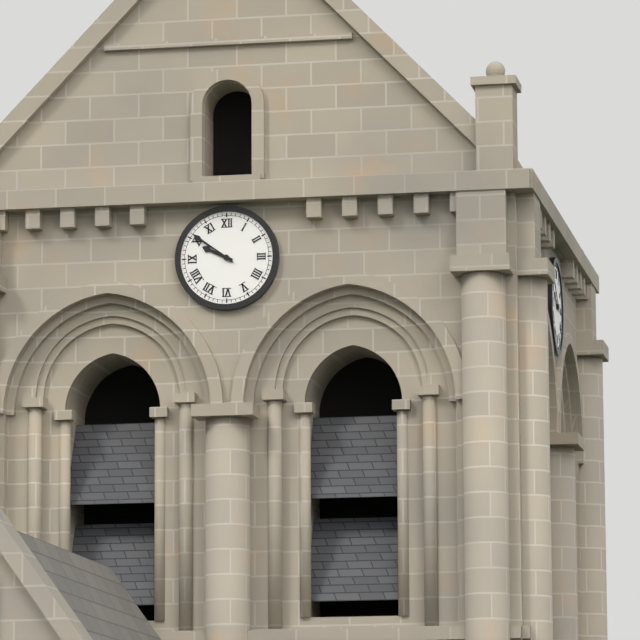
**9:51**
